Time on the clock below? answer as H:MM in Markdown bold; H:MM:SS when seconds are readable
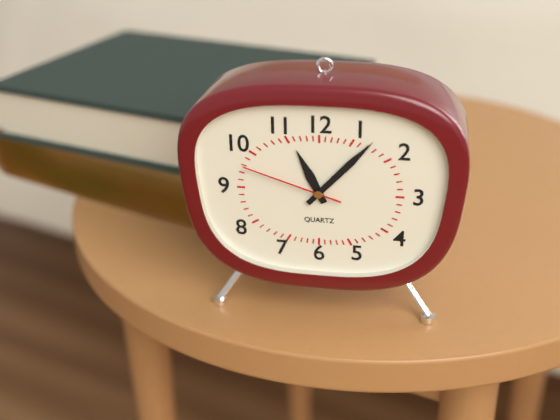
**11:07:48**
